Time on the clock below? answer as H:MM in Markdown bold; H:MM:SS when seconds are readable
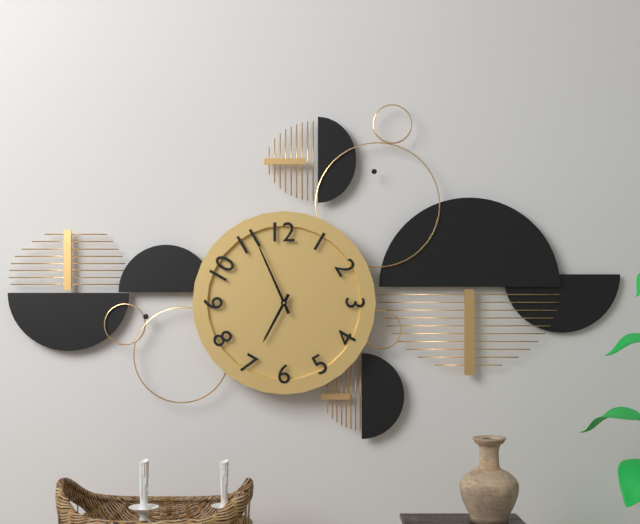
**6:56**
